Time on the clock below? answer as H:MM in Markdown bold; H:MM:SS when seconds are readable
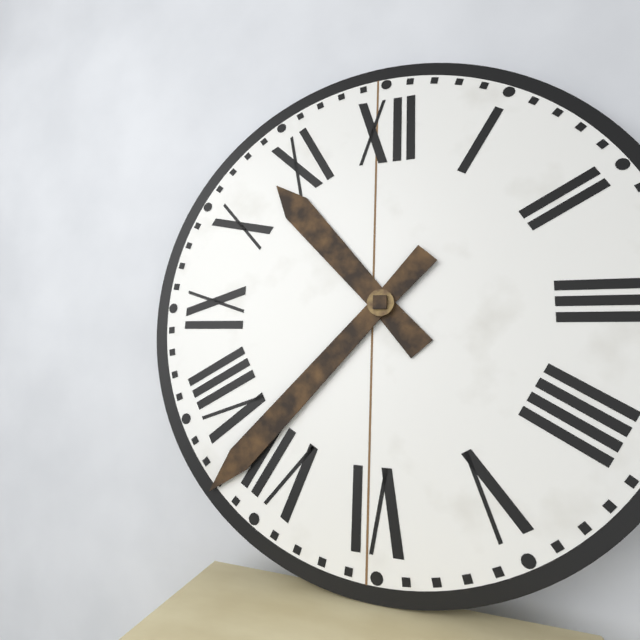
**10:37**
